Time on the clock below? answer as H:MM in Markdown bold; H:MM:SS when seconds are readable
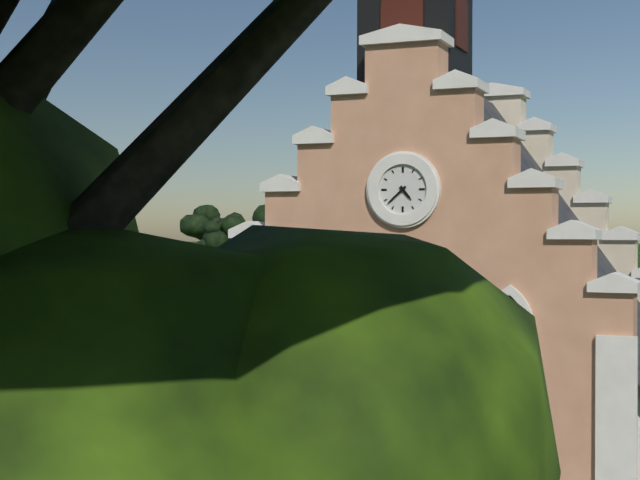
**4:38**
